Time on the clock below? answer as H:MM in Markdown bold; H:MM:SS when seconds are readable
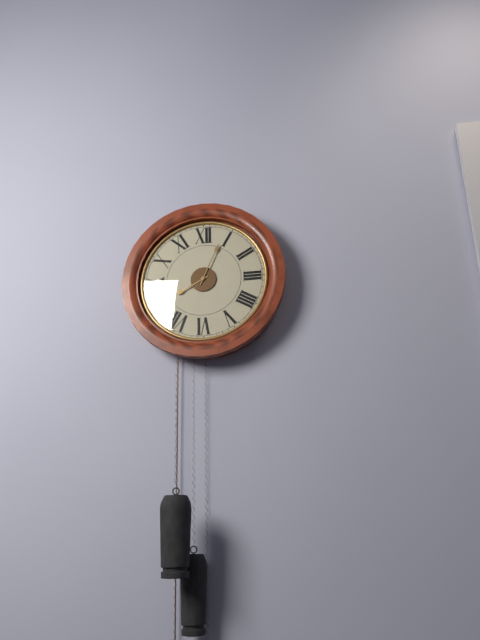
**8:04**
